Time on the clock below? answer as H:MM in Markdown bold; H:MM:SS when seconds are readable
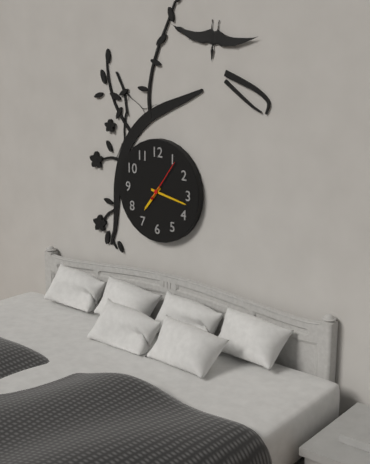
**7:17**
